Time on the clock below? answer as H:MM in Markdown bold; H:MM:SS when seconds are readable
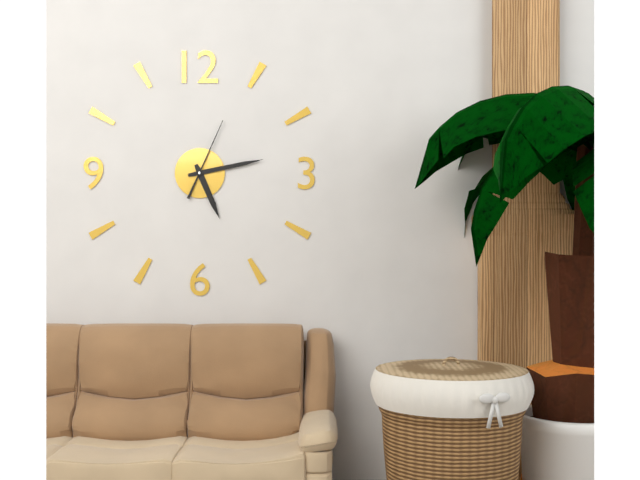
**5:13:04**
